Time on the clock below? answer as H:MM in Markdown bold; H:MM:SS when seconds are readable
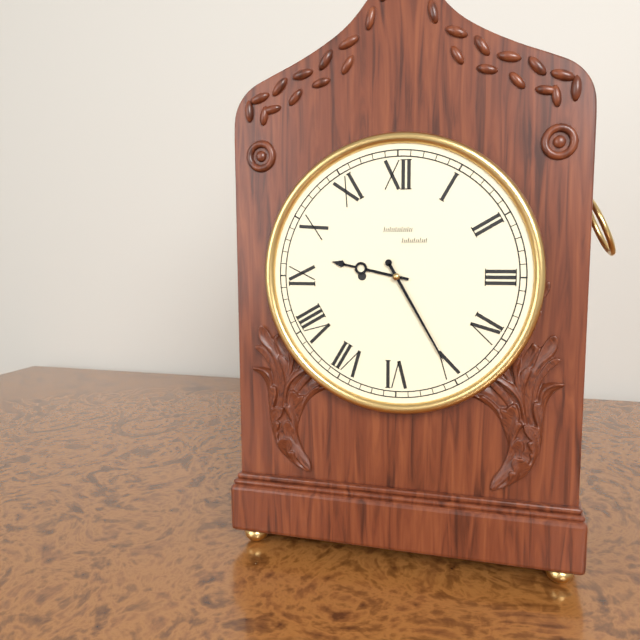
**9:25**
